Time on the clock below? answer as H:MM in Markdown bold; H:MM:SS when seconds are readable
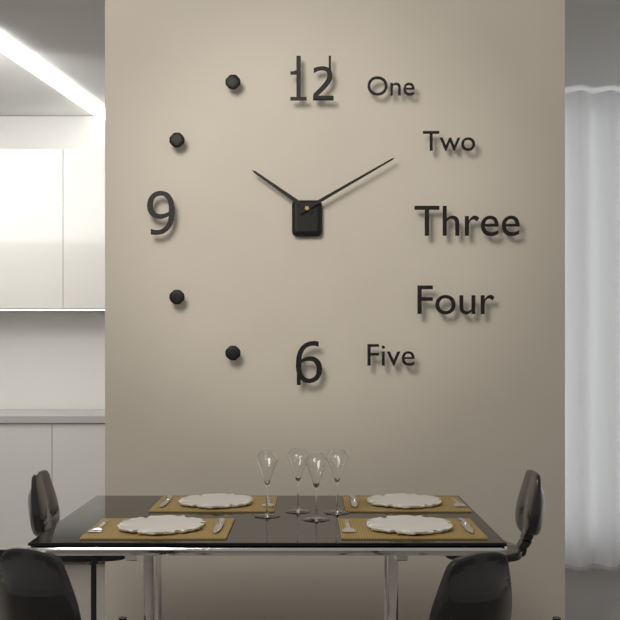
**10:10**
